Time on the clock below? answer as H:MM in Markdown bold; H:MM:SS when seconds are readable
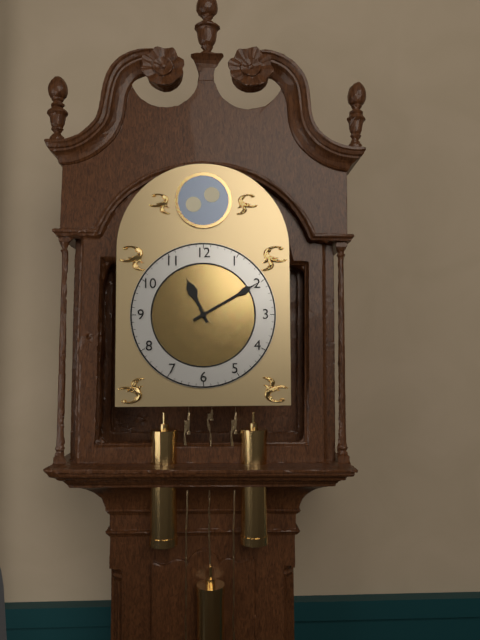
**11:10**
